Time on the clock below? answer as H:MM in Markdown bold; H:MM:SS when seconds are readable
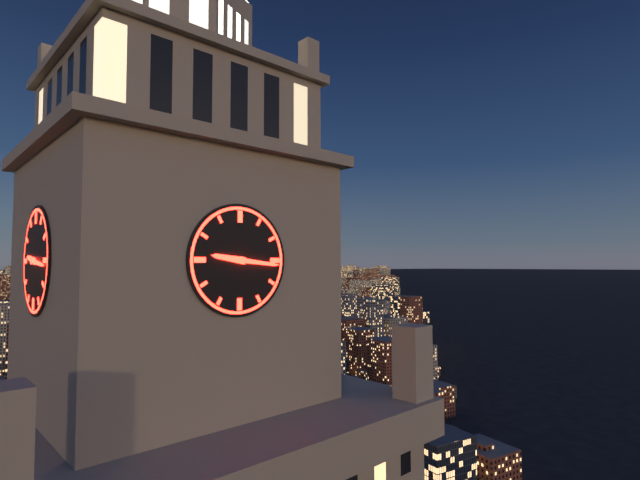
**9:16**
